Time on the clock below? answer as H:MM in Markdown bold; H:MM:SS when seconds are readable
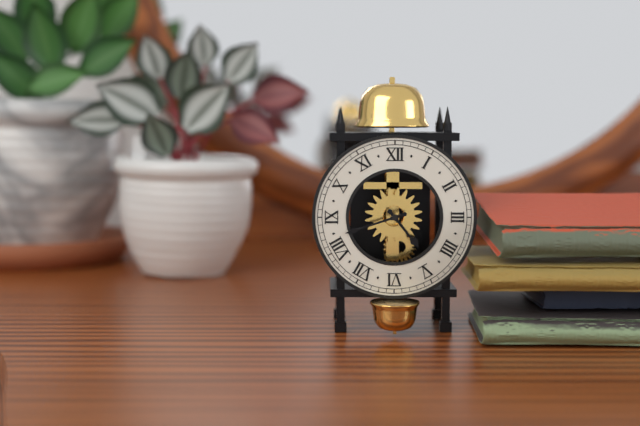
**4:42**
